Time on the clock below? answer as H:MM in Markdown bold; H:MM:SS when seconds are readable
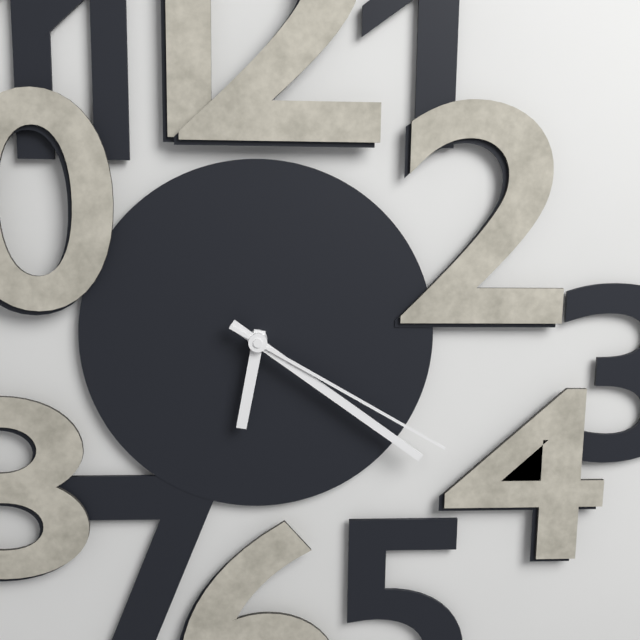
**6:21:20**
